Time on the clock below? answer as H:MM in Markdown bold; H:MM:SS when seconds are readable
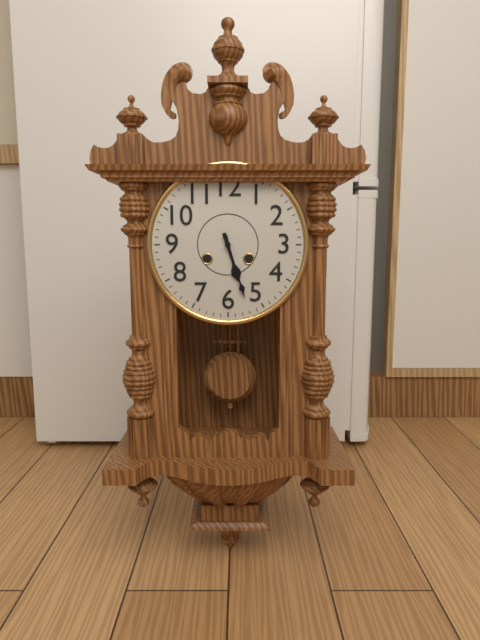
**5:27**
